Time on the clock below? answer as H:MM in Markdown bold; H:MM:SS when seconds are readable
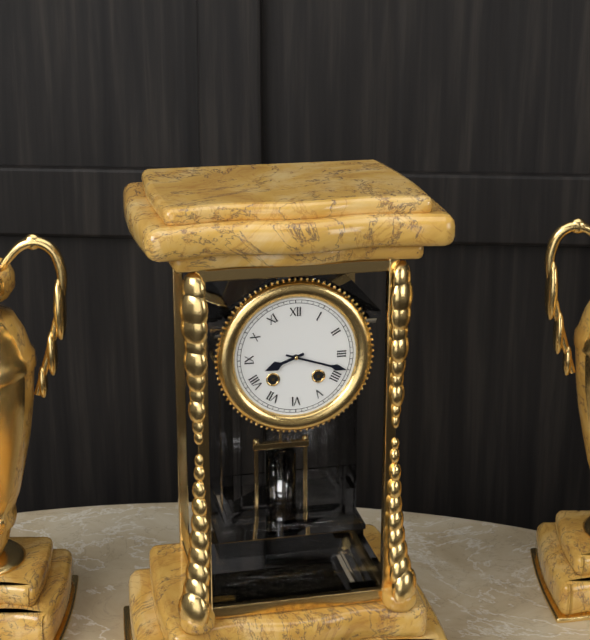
**8:18**
